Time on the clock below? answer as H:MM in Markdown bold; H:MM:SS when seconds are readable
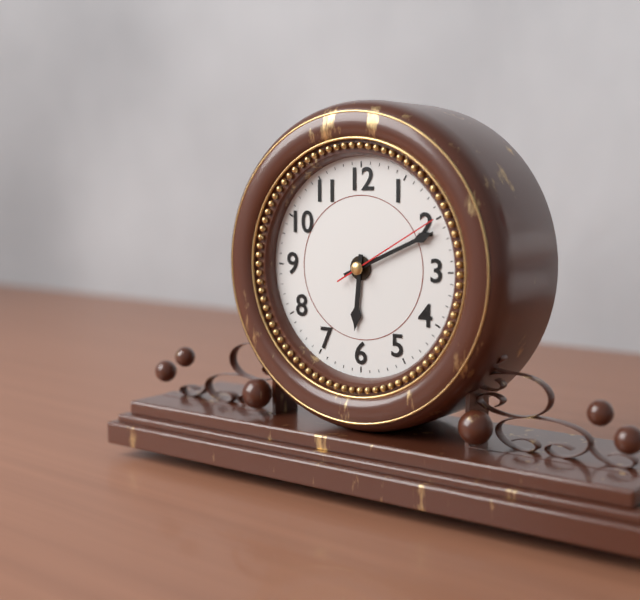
**6:11:10**
